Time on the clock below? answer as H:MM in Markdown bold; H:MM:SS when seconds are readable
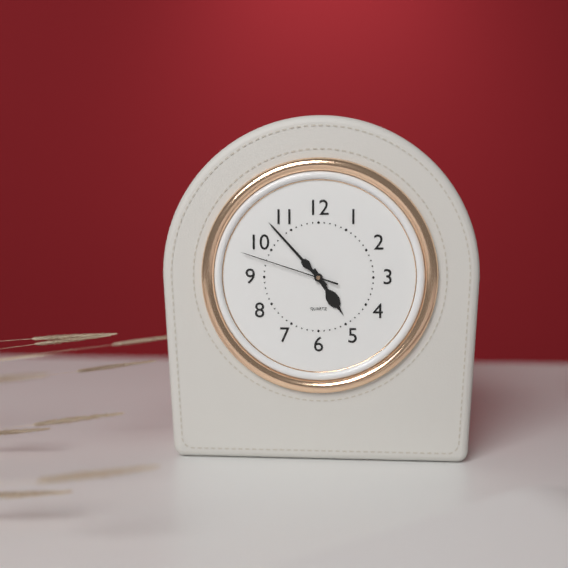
**4:53:48**
